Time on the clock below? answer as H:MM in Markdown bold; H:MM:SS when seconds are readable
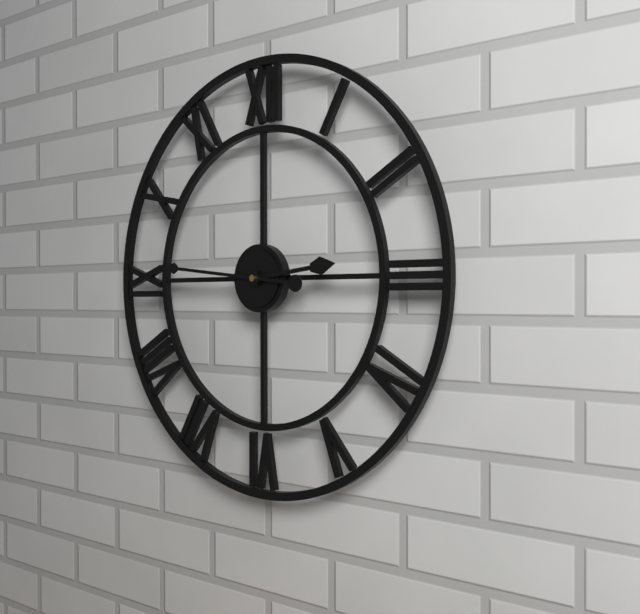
**2:46**
